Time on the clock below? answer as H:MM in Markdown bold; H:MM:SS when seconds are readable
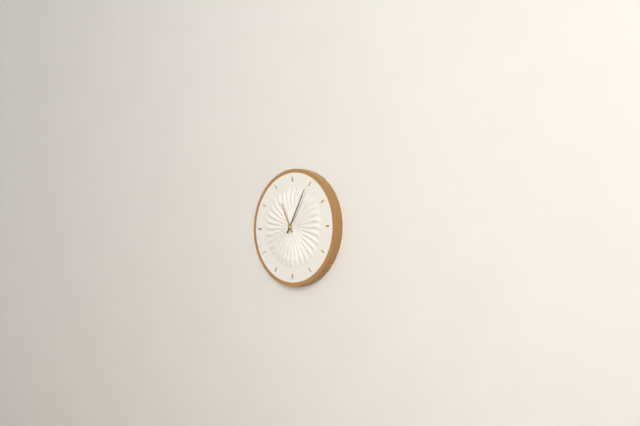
**11:05**
